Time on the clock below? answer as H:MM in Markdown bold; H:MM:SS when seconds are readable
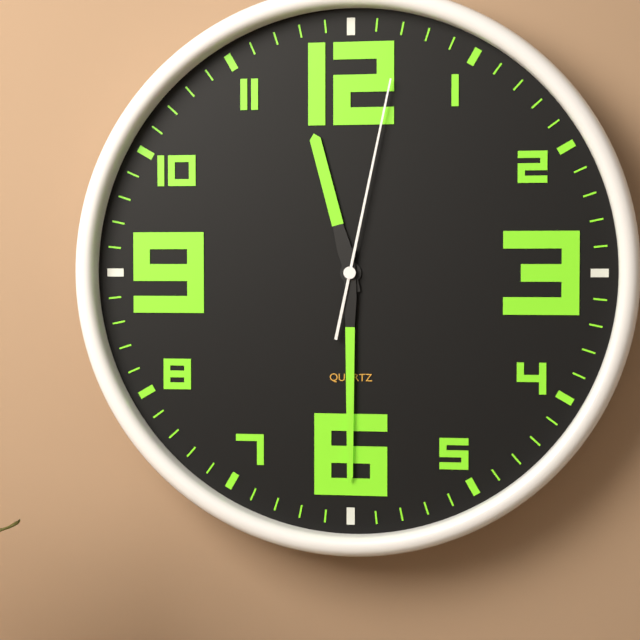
**11:30:02**
